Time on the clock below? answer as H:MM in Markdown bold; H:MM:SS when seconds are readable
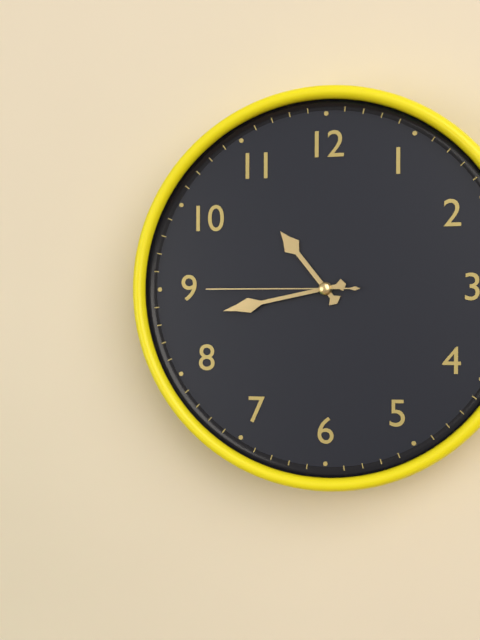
**10:43:45**
